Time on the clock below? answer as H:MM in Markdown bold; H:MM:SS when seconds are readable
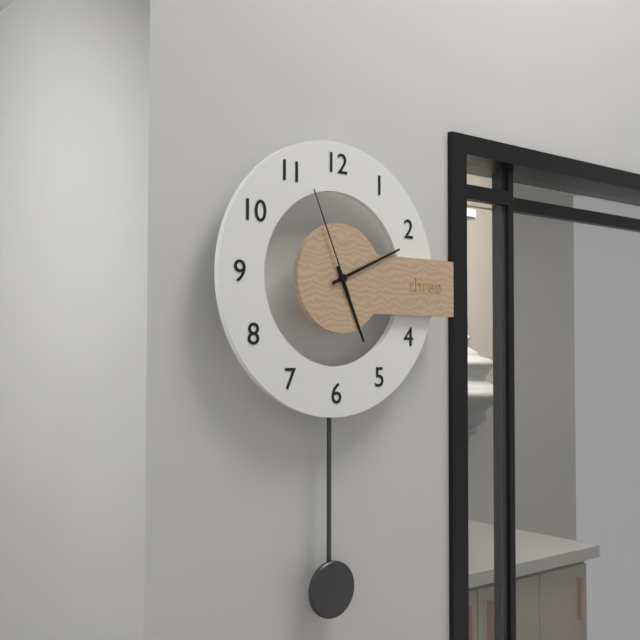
**5:11:56**
